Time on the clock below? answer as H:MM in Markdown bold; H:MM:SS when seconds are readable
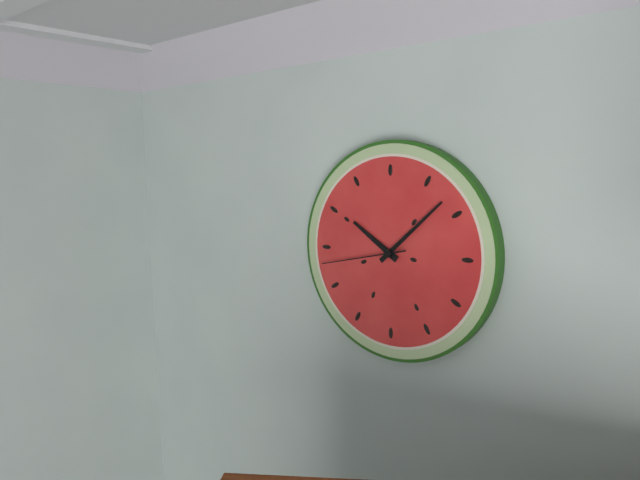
**10:08:43**
